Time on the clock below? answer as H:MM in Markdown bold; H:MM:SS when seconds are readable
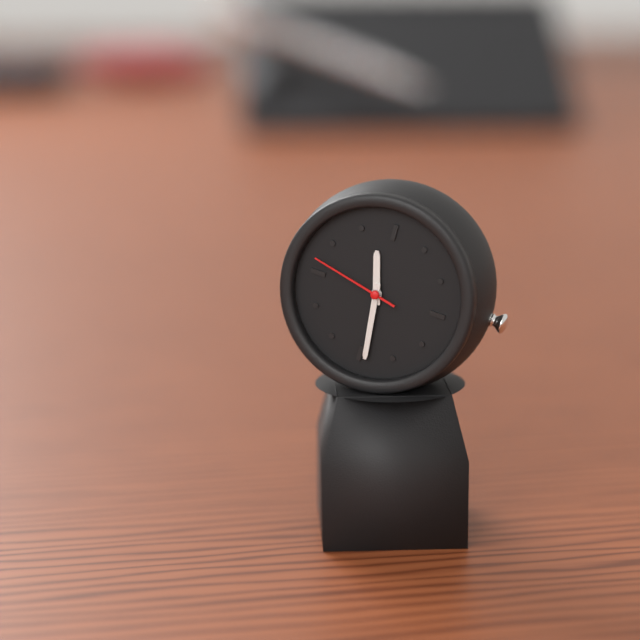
**11:29:47**
